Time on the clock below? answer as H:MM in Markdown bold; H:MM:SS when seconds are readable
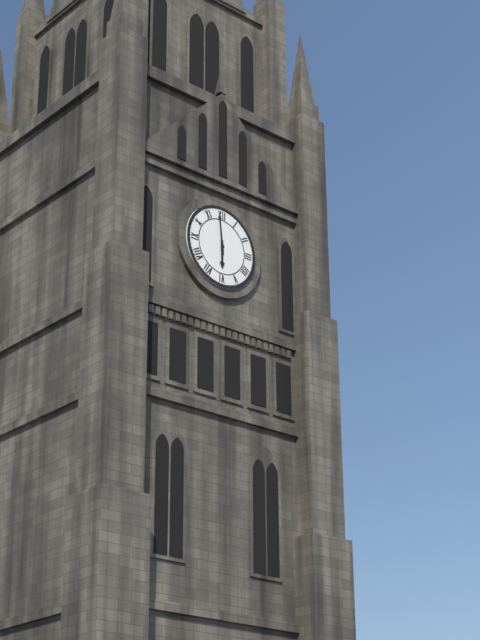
**5:59**
